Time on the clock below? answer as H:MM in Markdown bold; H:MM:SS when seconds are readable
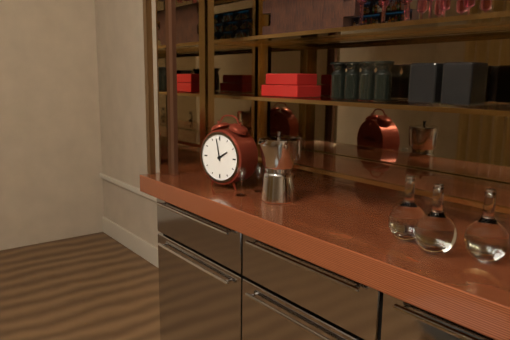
**1:58**
